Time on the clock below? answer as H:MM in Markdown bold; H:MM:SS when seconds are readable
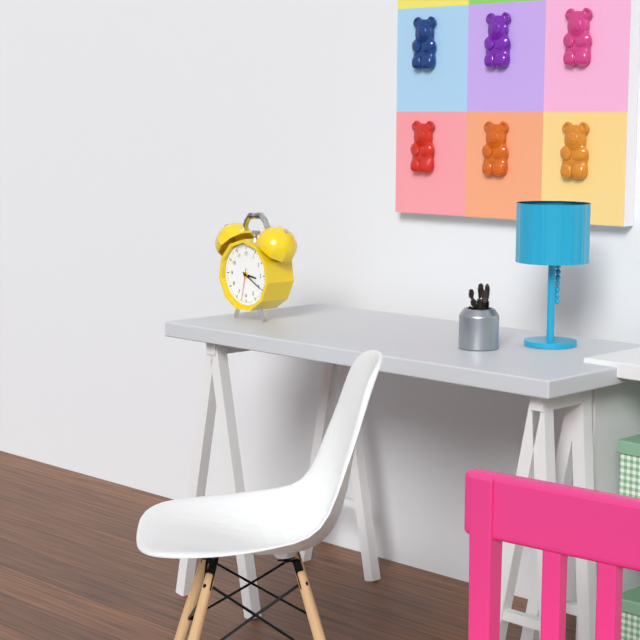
**3:20**
